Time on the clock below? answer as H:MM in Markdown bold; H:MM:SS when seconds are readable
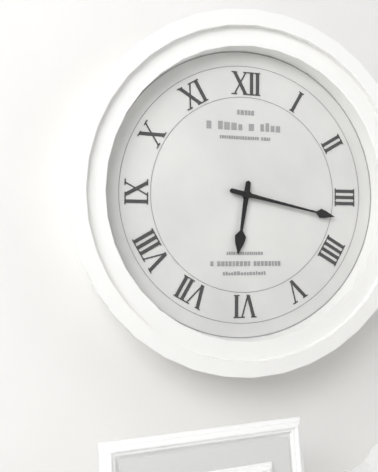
**6:17**
